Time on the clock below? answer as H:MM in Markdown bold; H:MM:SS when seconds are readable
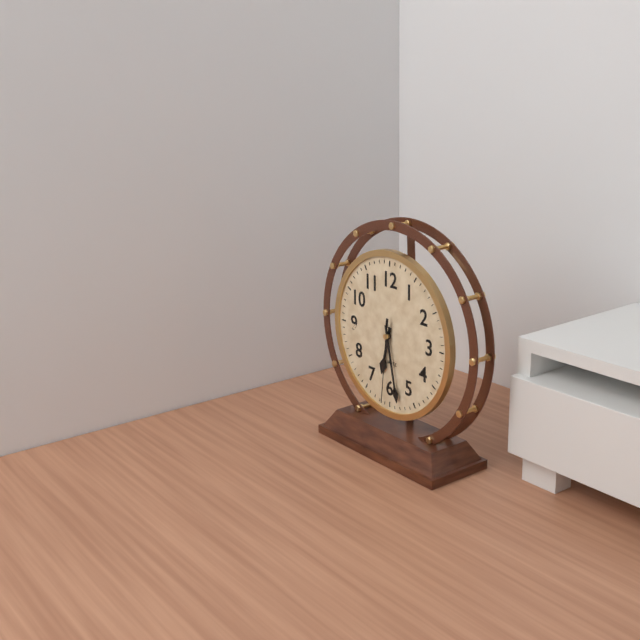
**6:28:31**
